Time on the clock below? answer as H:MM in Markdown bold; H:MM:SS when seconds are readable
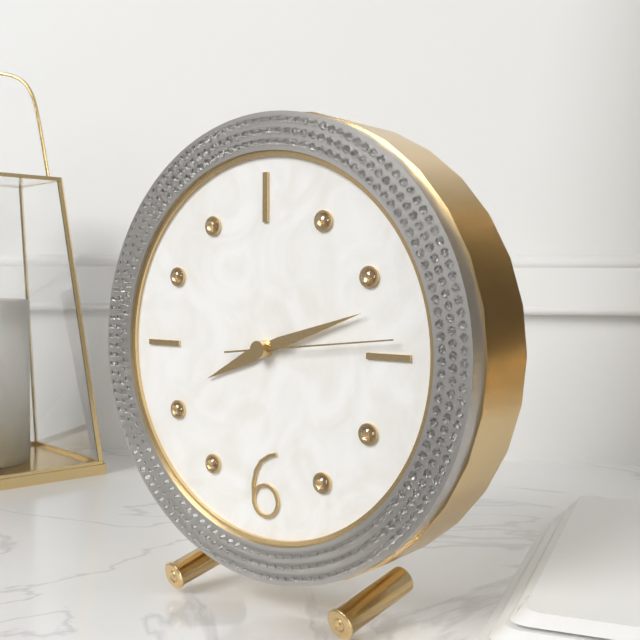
**8:12:14**
